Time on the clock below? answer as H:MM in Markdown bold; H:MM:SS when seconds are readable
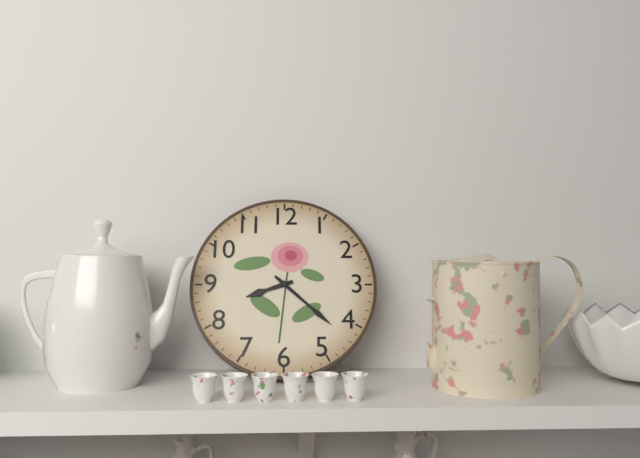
**8:22**
